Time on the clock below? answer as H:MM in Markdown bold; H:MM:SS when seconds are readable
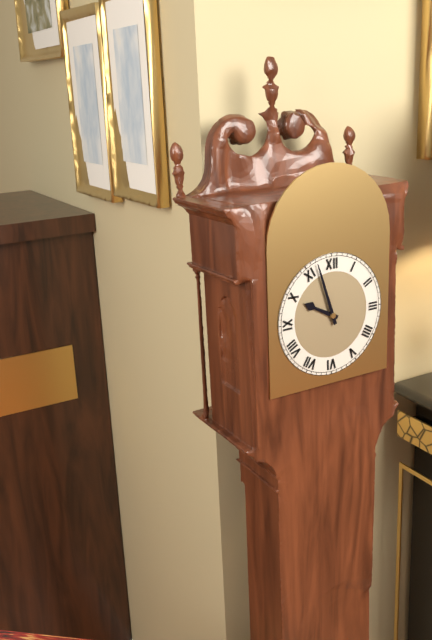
**9:57**
